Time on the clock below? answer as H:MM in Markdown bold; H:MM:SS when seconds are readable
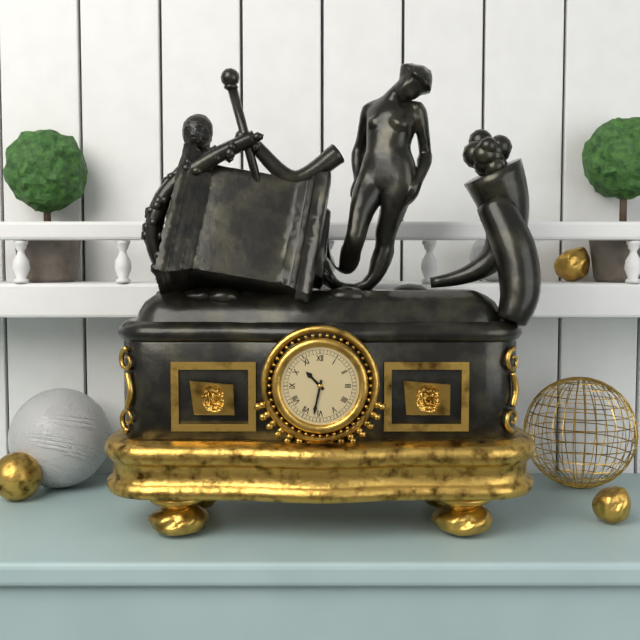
**10:32**
